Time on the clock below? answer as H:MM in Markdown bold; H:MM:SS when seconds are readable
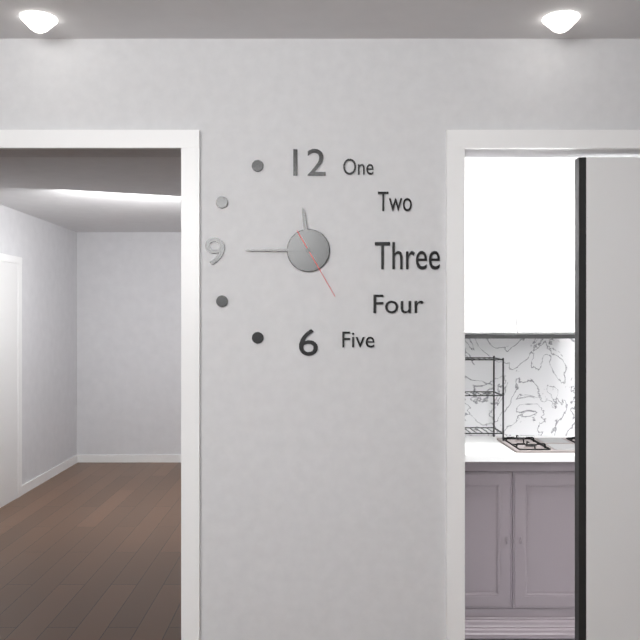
**11:45:25**
